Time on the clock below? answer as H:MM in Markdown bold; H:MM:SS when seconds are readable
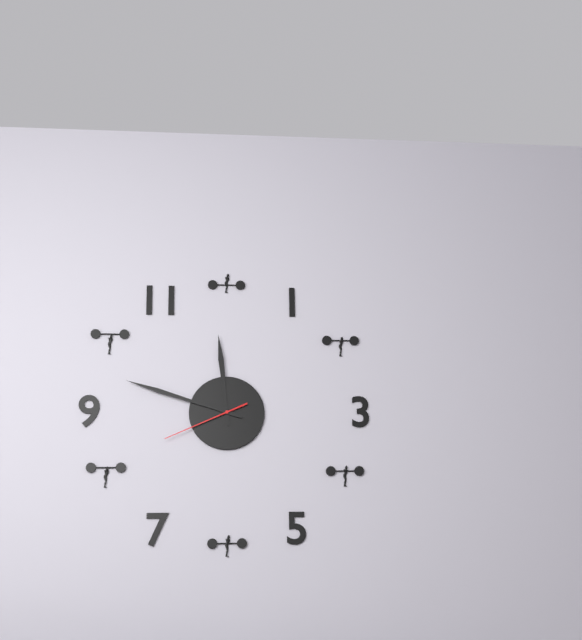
**11:48:41**
